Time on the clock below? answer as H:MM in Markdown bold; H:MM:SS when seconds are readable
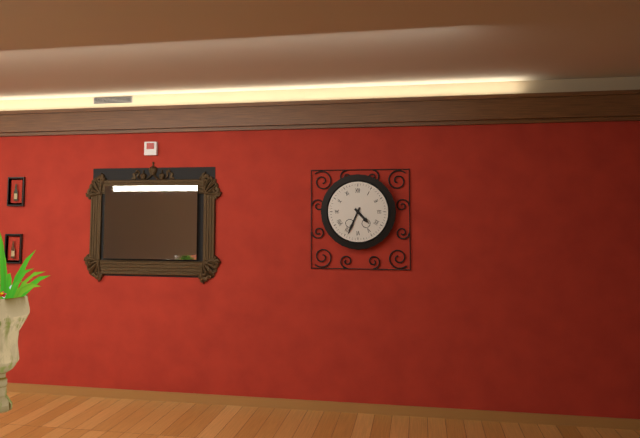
**4:34**
